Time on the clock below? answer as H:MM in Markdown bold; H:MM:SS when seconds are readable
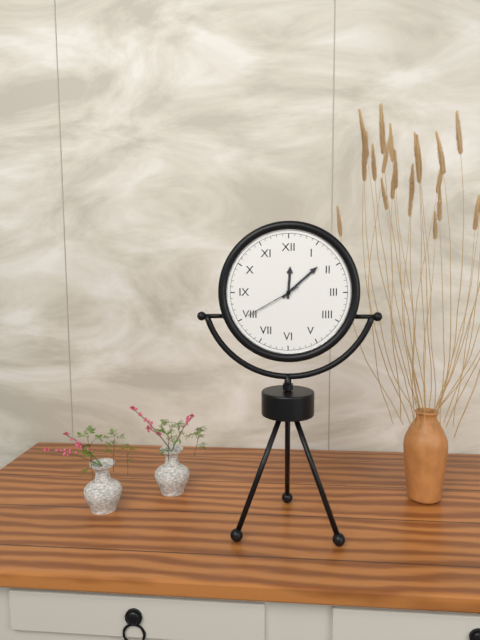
**12:08:40**
